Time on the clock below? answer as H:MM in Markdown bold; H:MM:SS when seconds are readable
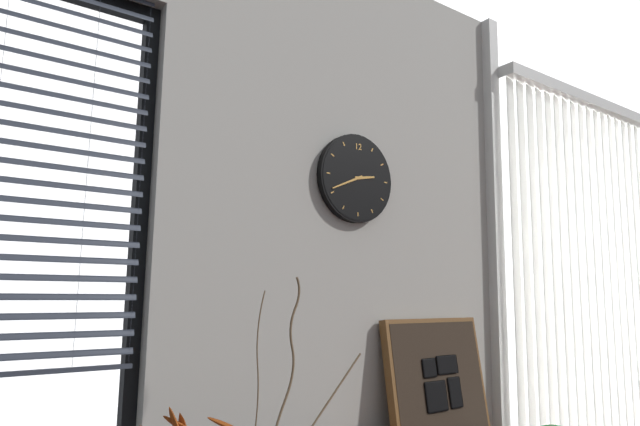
**2:41**
